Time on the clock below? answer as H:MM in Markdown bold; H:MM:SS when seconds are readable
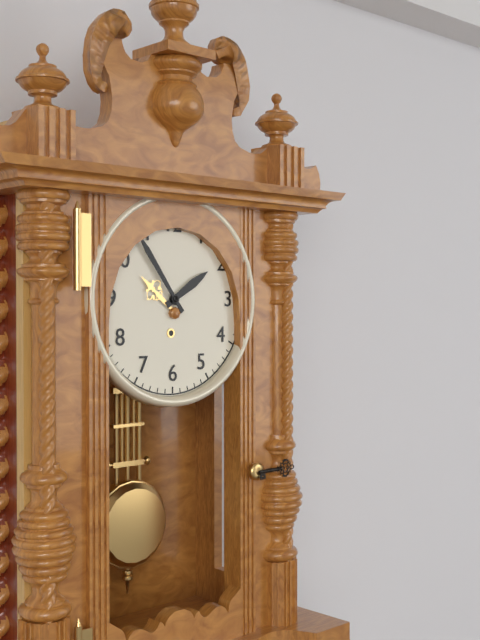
**1:54**
